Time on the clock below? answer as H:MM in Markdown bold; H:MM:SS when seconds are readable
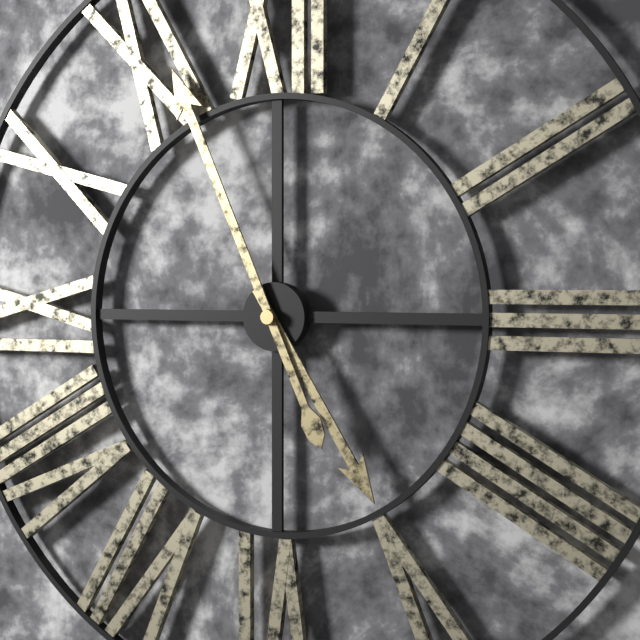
**4:56**
